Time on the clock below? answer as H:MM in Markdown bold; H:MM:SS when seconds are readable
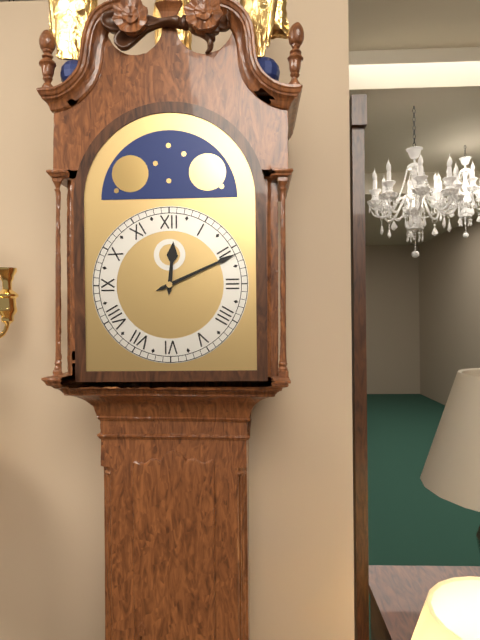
**12:11**
